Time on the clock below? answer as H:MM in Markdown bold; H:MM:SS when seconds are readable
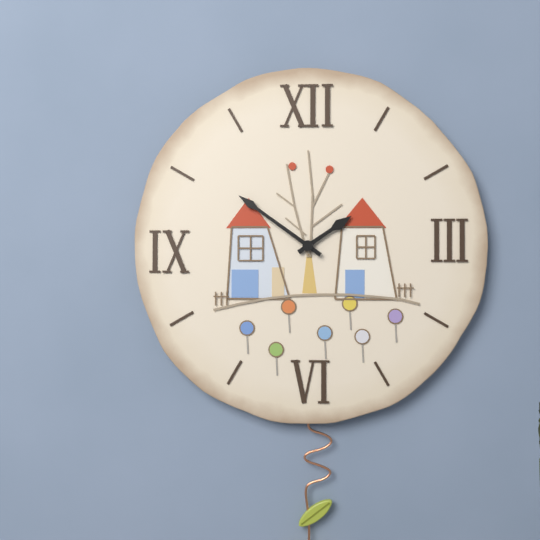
**1:51**
